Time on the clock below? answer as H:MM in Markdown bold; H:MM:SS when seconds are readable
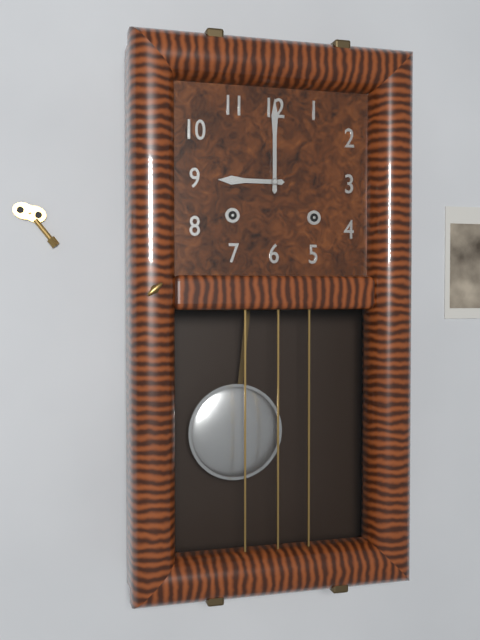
**9:00**
